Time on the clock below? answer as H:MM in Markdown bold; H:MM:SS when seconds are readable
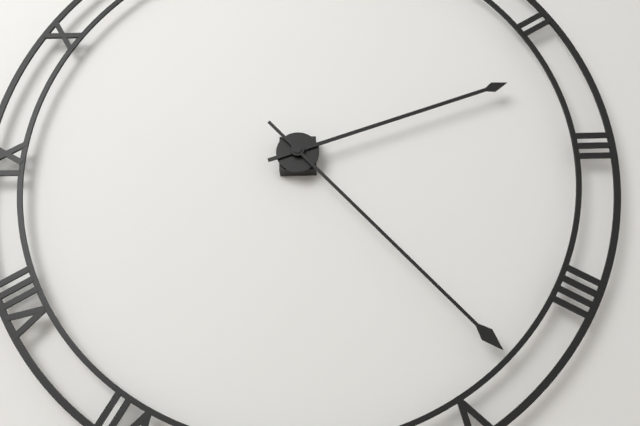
**2:23**
